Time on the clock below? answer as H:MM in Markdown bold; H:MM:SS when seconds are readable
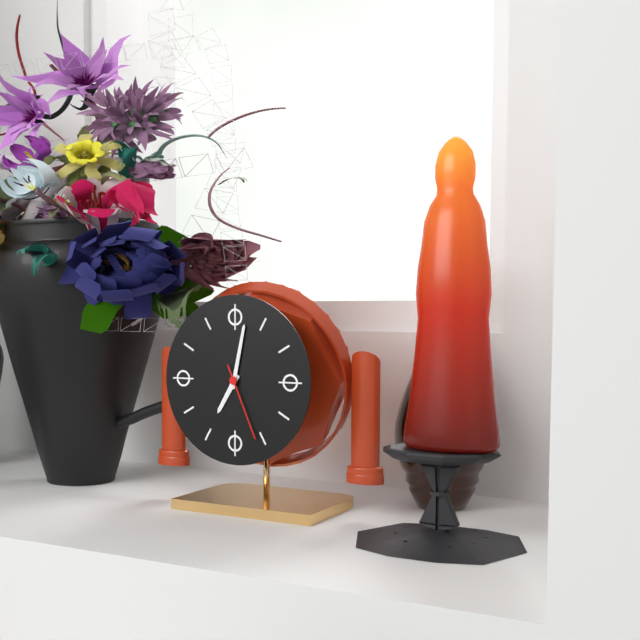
**7:02:26**
